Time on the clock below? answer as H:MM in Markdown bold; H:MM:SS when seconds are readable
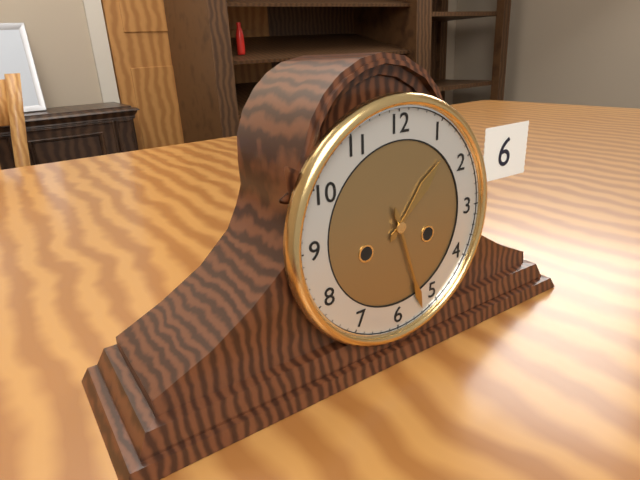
**1:27**
